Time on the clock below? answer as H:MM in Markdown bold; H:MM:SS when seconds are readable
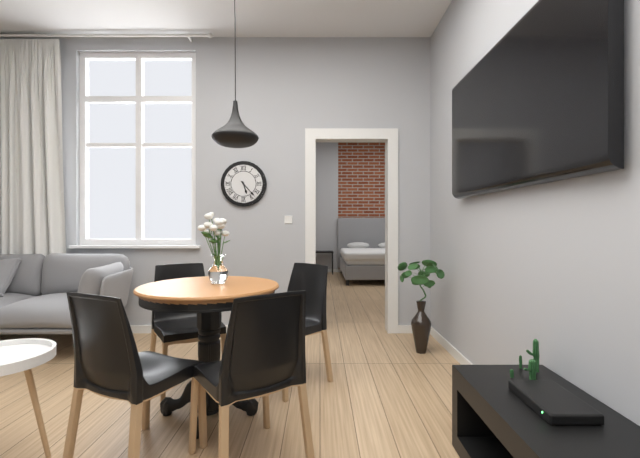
**5:23**
